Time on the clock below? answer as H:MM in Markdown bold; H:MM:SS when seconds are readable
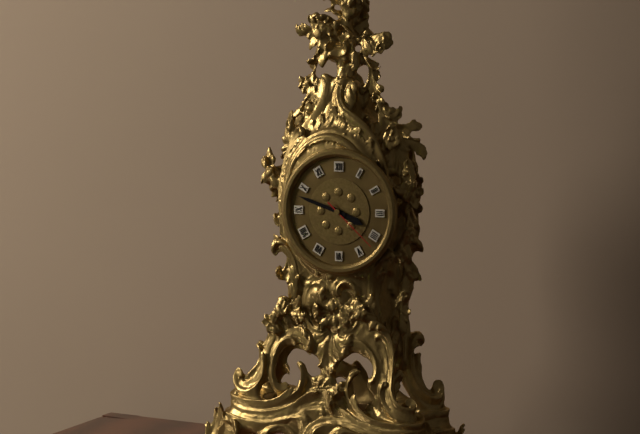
**3:48:22**
